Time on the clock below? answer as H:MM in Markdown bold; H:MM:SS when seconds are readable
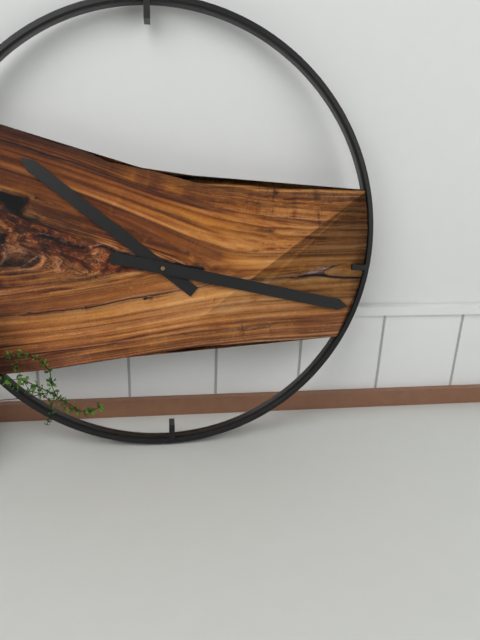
**10:17**
